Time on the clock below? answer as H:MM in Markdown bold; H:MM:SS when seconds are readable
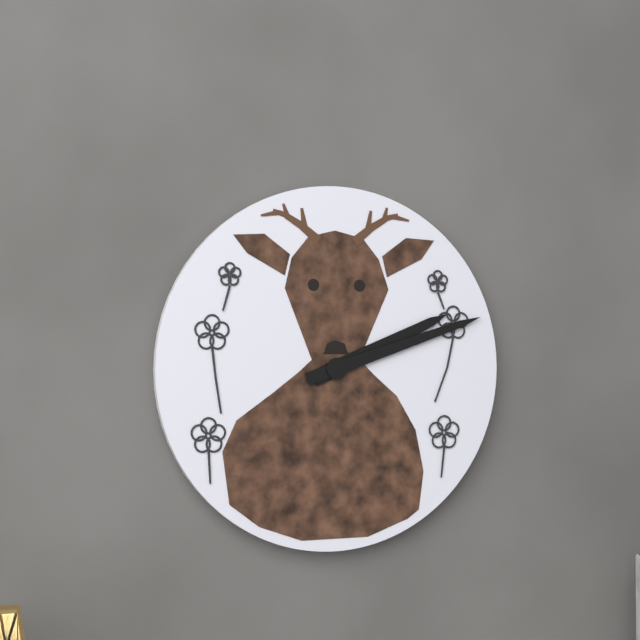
**2:12**
